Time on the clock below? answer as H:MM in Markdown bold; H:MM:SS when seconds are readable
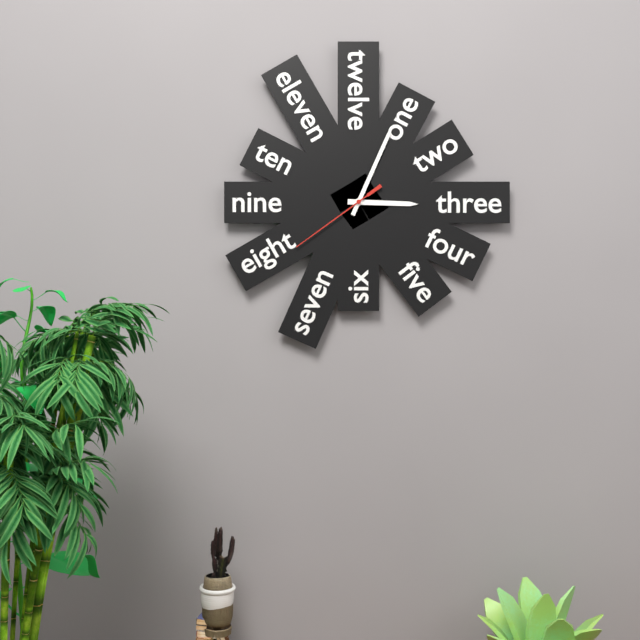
**3:04:39**
